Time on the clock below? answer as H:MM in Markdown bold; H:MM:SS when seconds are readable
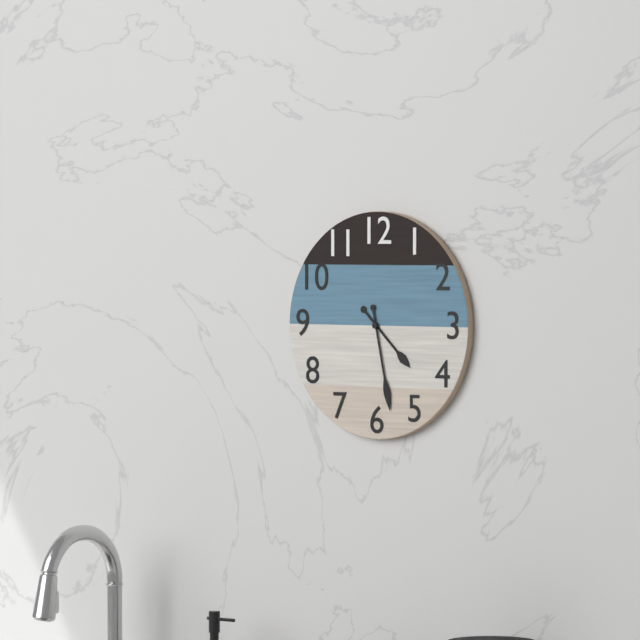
**4:28**
